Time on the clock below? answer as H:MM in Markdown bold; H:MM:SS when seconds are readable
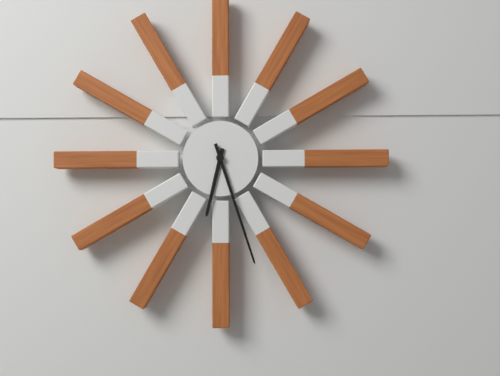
**6:27**
